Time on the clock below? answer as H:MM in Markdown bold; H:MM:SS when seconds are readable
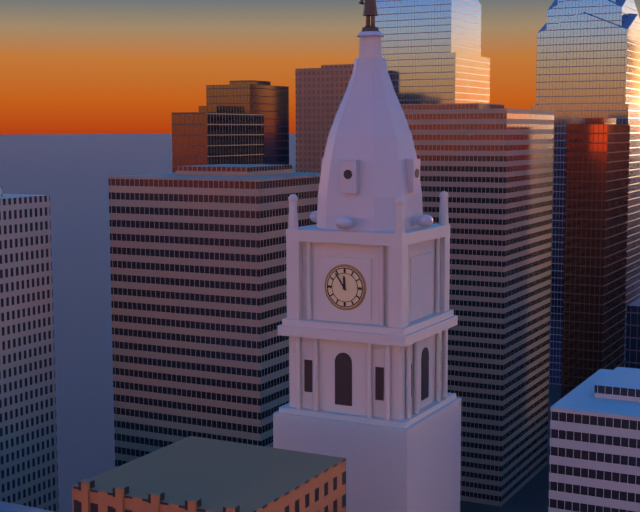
**11:54**
